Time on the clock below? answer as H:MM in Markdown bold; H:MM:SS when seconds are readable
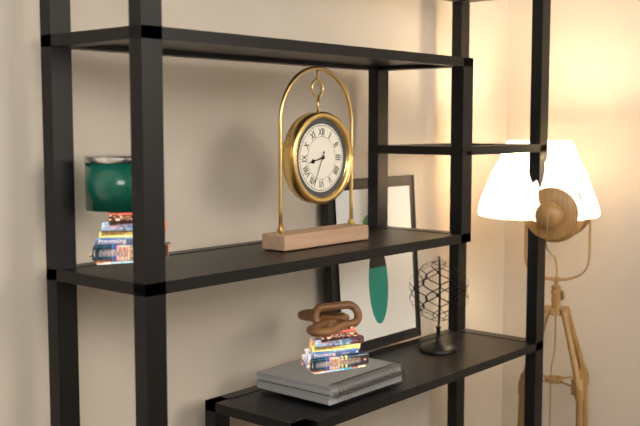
**8:34**
